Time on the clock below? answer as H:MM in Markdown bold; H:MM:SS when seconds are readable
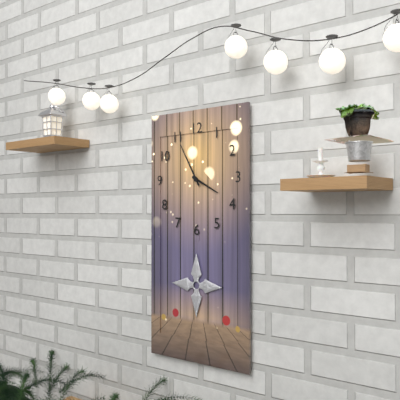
**3:55**
